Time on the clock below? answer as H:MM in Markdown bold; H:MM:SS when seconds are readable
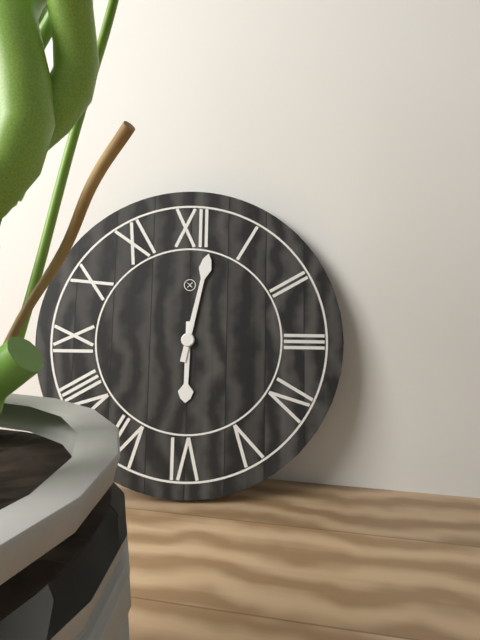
**6:02**
